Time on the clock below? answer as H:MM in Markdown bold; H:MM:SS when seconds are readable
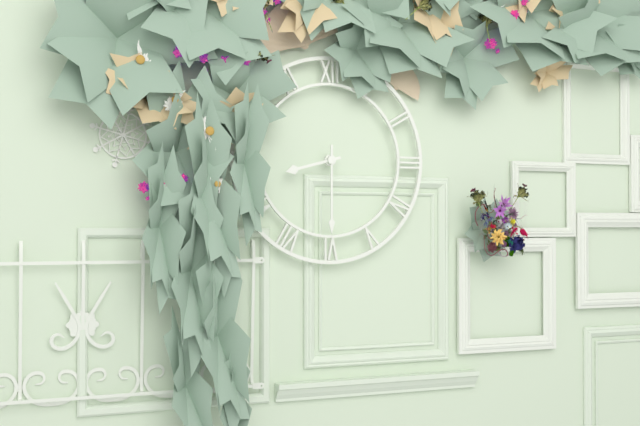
**8:30**
